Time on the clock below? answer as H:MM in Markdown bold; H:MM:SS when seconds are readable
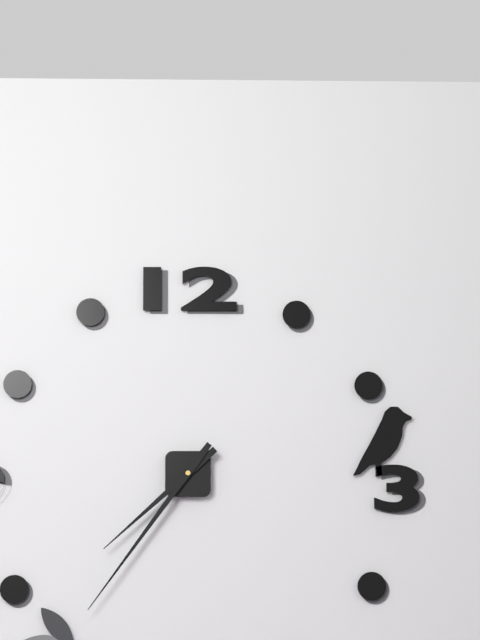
**7:36**
